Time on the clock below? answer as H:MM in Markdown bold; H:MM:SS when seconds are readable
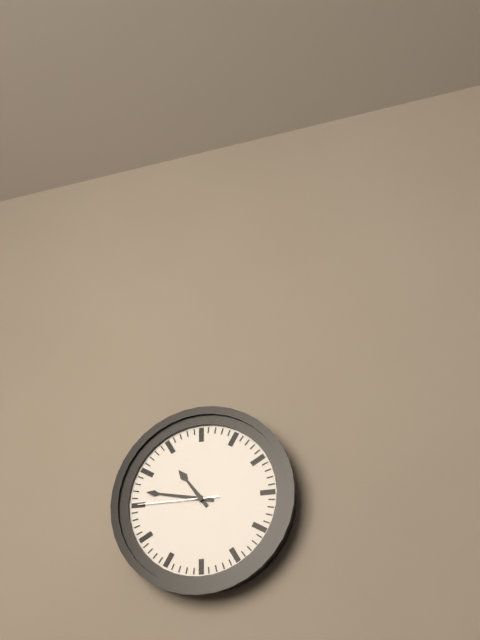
**10:47:45**
